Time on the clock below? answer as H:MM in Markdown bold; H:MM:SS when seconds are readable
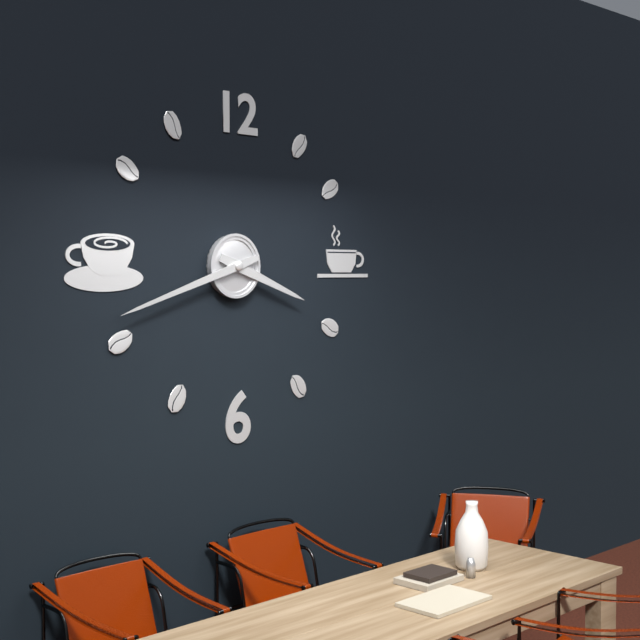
**3:42**
